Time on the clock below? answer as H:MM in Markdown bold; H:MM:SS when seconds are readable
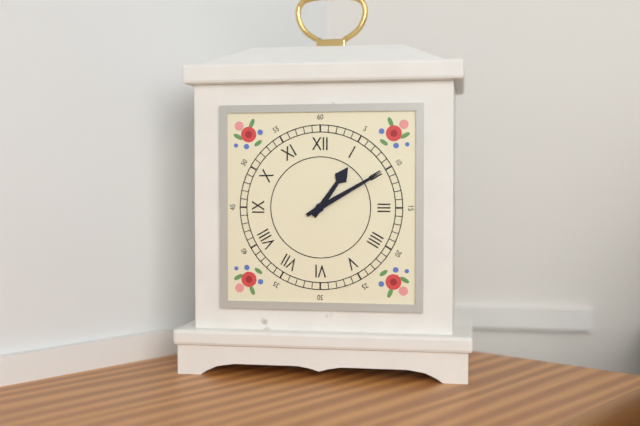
**1:10**
